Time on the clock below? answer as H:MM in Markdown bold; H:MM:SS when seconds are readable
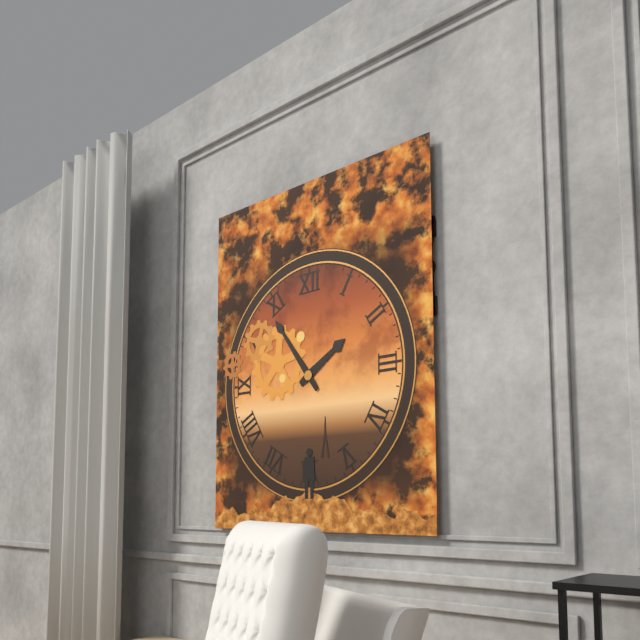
**1:54**
